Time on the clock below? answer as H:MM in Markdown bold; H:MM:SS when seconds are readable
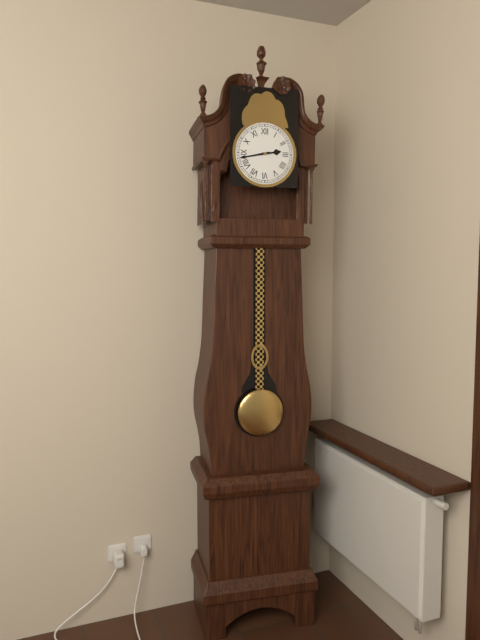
**2:43**
